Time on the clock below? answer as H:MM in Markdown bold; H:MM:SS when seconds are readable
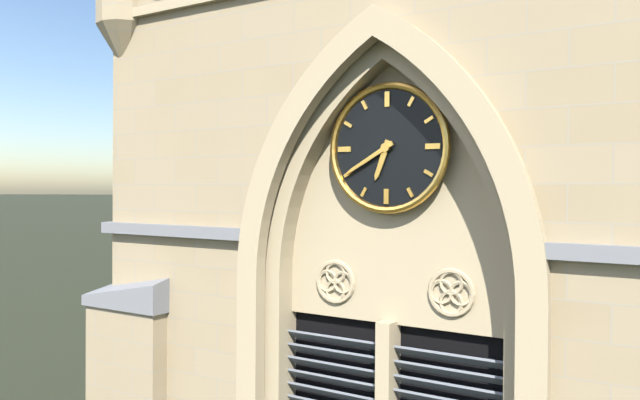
**6:40**
